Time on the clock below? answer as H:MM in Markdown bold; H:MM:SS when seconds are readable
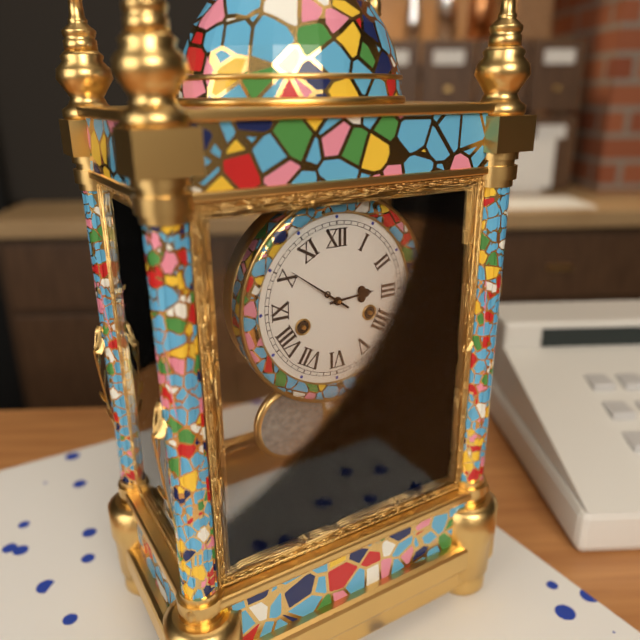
**2:51**
